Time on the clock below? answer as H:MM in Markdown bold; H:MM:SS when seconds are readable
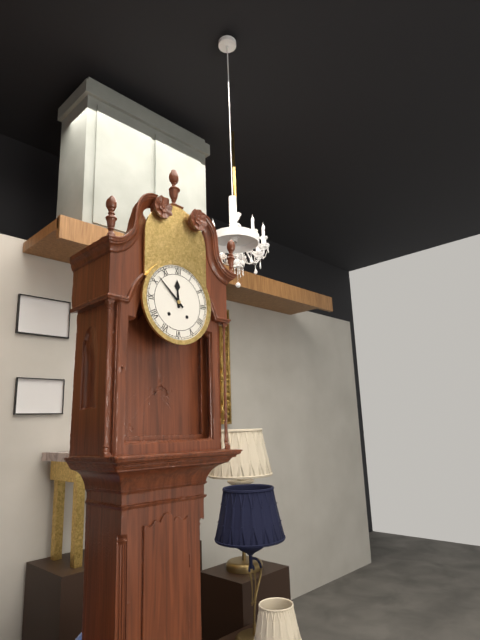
**11:52**
